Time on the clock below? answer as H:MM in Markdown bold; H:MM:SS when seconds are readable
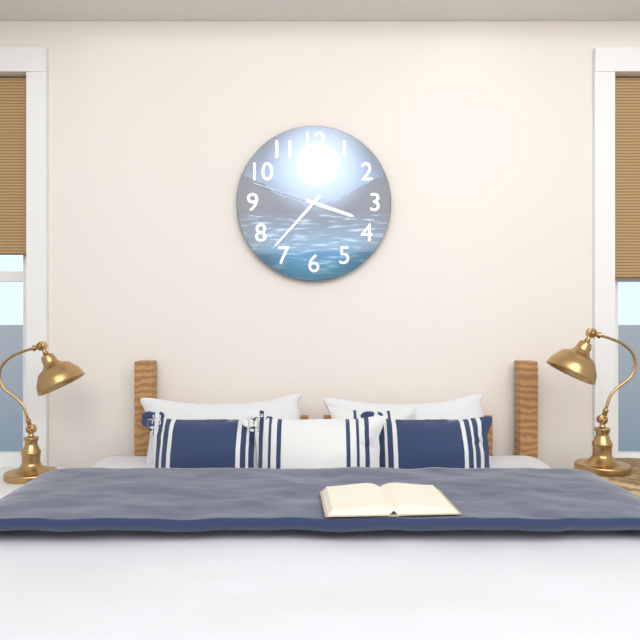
**3:37:48**
